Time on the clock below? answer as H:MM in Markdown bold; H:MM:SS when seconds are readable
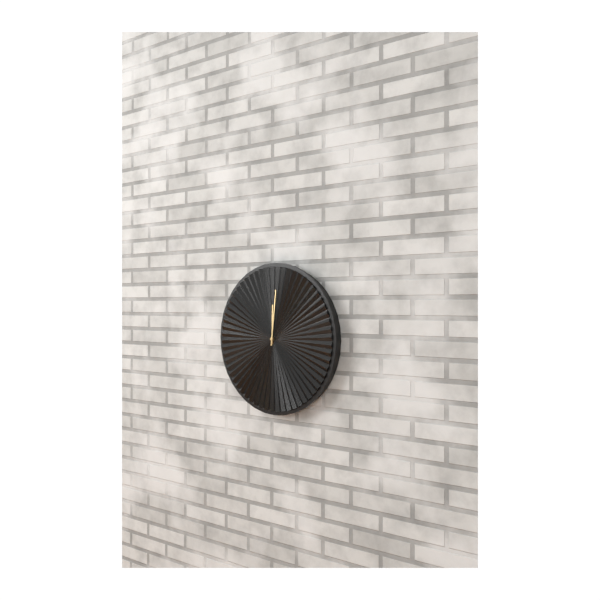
**12:01**
